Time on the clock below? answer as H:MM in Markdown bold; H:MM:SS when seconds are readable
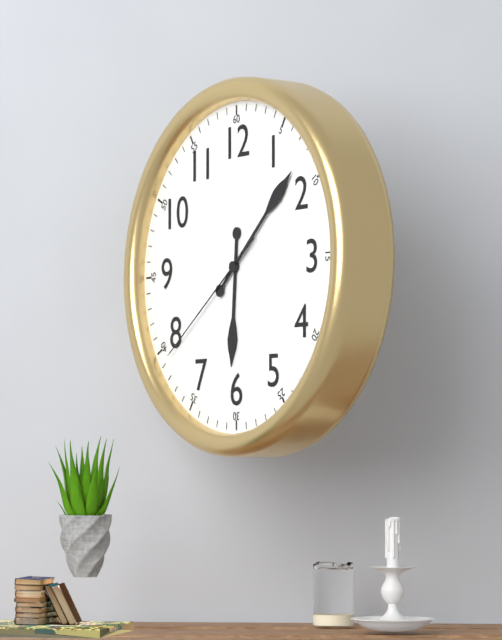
**6:08:39**
